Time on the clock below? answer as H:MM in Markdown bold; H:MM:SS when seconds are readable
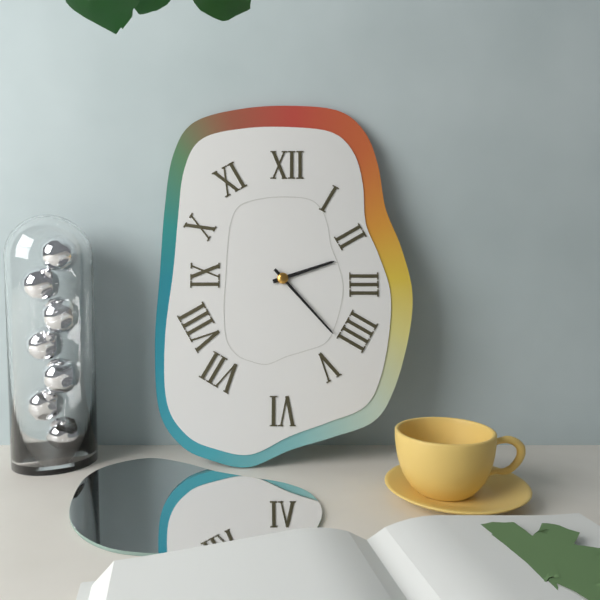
**2:23**
